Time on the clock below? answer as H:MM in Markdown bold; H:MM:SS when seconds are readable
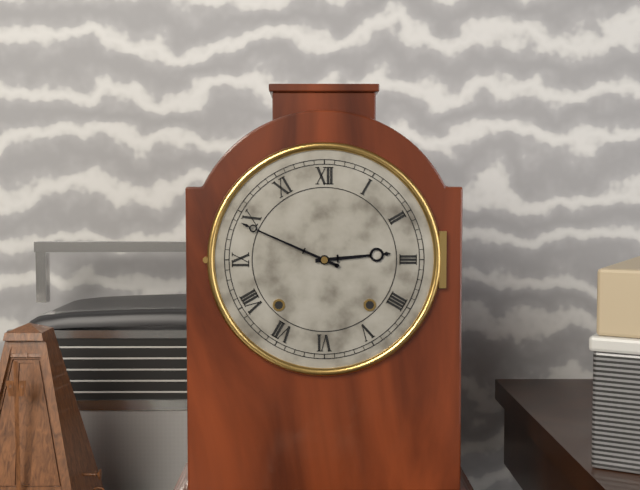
**2:49**
